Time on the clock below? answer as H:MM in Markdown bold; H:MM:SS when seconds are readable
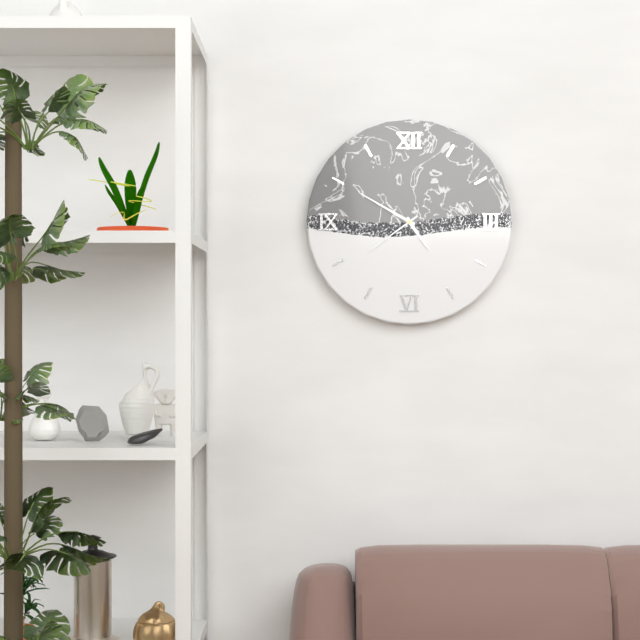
**4:50:39**
